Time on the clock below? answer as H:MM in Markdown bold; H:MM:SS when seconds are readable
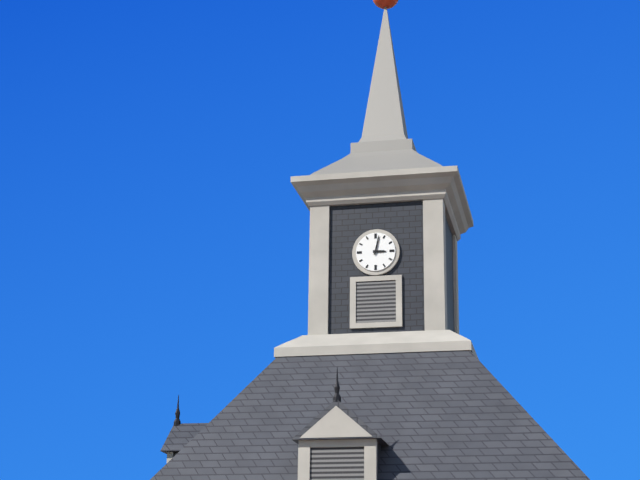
**3:02**
